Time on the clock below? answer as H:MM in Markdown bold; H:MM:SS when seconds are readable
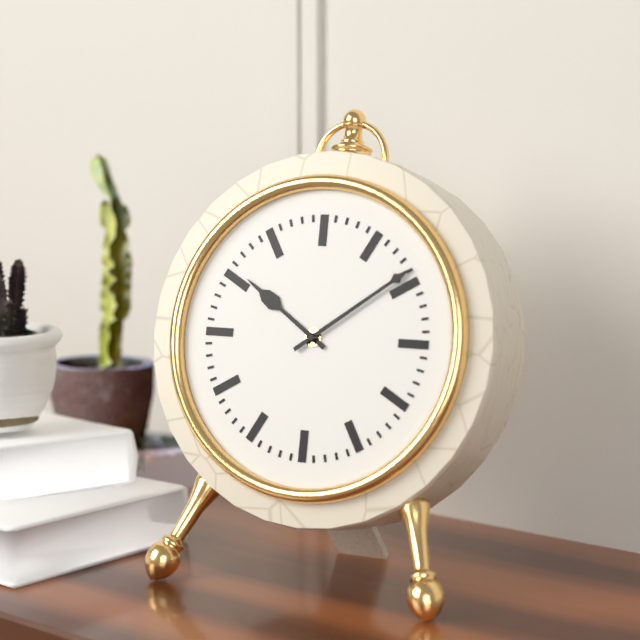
**10:09**
